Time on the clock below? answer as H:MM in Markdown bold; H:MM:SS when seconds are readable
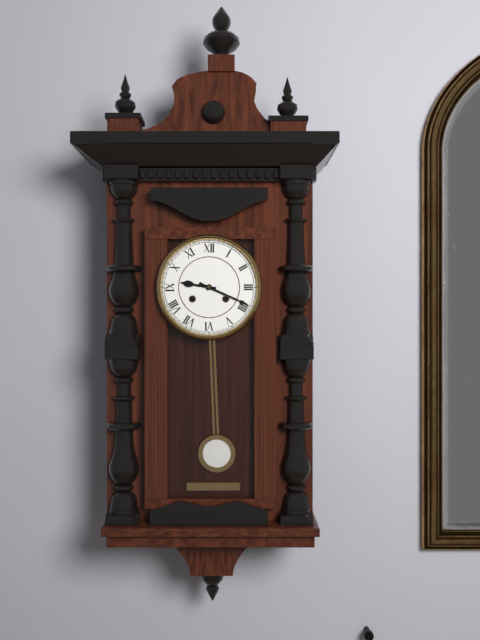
**9:19**
